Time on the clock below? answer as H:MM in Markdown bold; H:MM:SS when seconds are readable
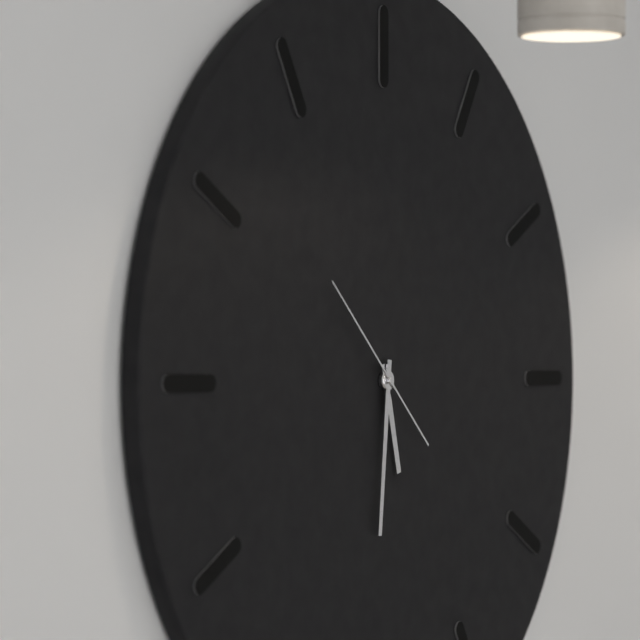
**5:31:52**
